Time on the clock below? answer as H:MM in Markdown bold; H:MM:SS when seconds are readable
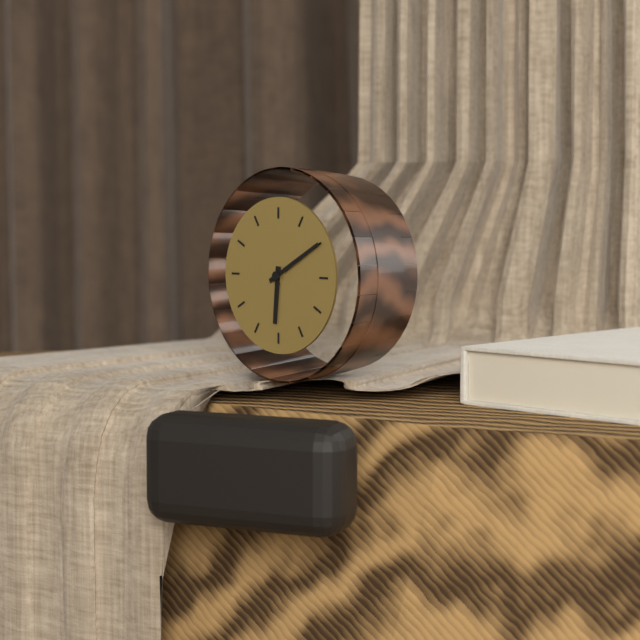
**6:10**
